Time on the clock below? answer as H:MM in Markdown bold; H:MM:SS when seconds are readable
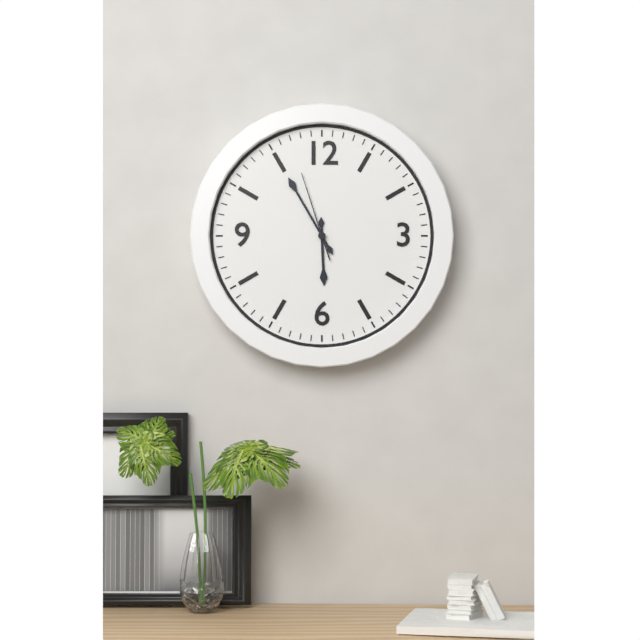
**5:55:57**
